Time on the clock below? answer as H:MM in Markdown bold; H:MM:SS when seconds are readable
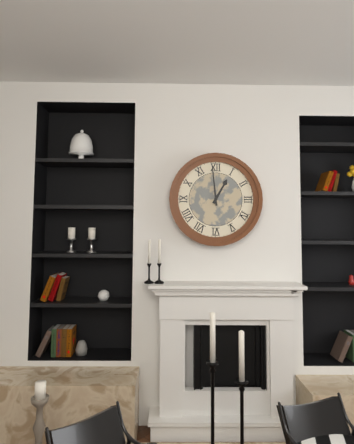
**12:59**
